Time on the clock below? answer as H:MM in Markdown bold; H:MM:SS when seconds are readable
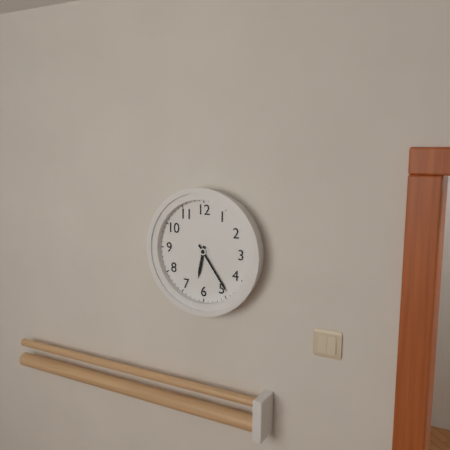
**6:24**
